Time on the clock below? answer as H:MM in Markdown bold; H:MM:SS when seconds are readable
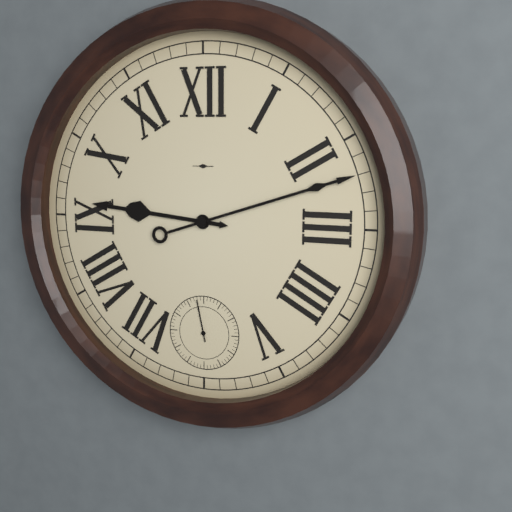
**9:12**
